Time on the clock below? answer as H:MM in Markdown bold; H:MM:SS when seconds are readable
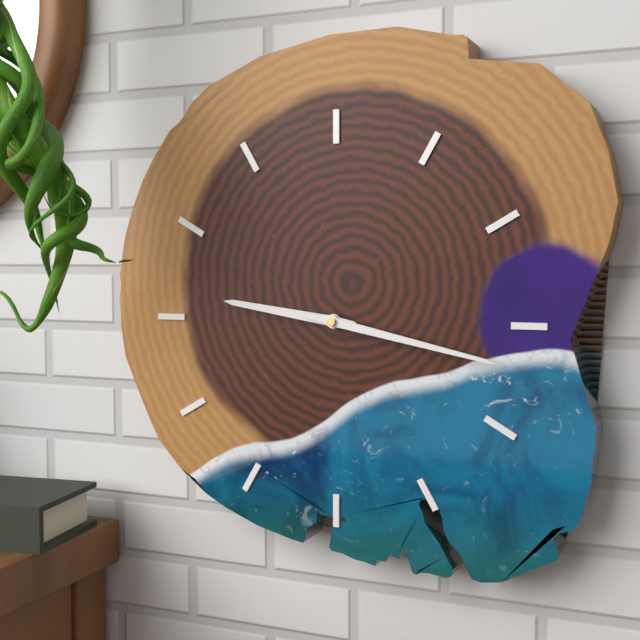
**9:17**
